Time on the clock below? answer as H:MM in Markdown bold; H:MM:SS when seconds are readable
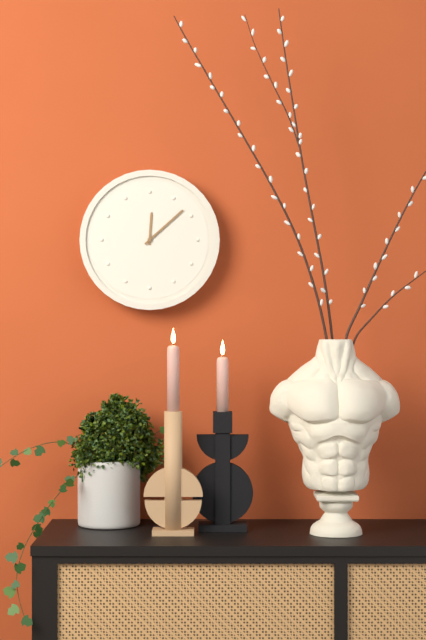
**12:08**
